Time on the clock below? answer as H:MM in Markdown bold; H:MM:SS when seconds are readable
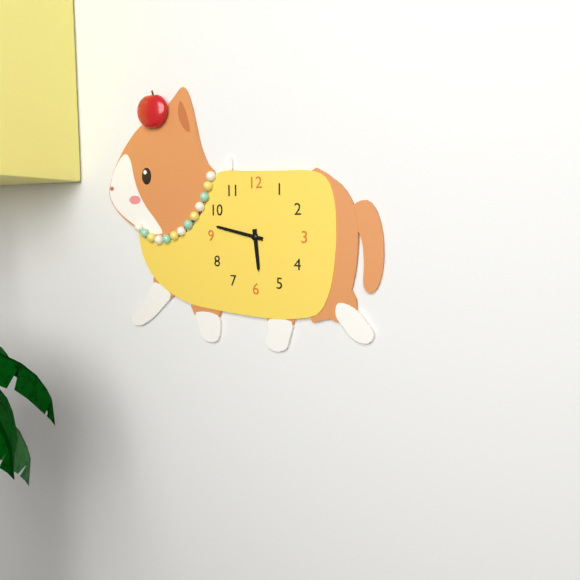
**5:47**
